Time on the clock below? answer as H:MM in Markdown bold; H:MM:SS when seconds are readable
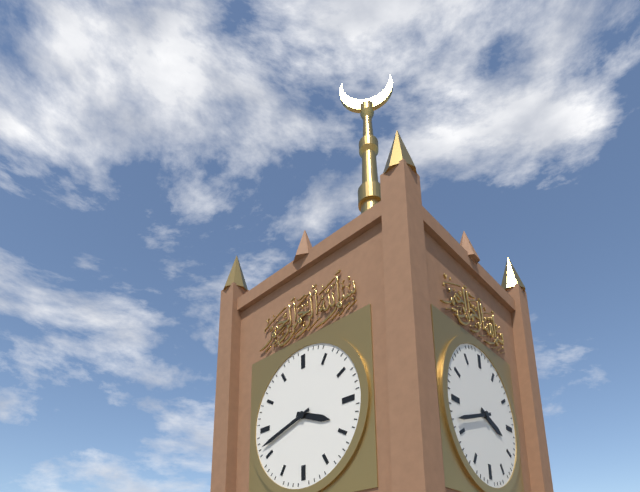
**3:42**
